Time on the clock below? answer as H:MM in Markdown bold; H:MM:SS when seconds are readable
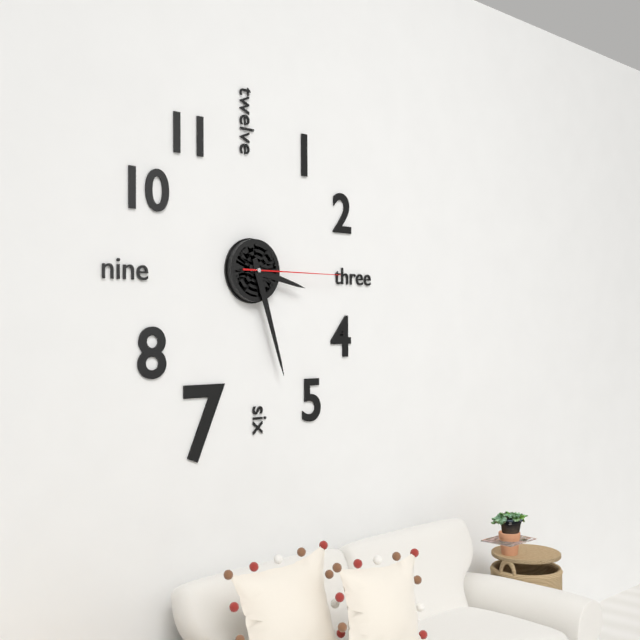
**3:27:15**
